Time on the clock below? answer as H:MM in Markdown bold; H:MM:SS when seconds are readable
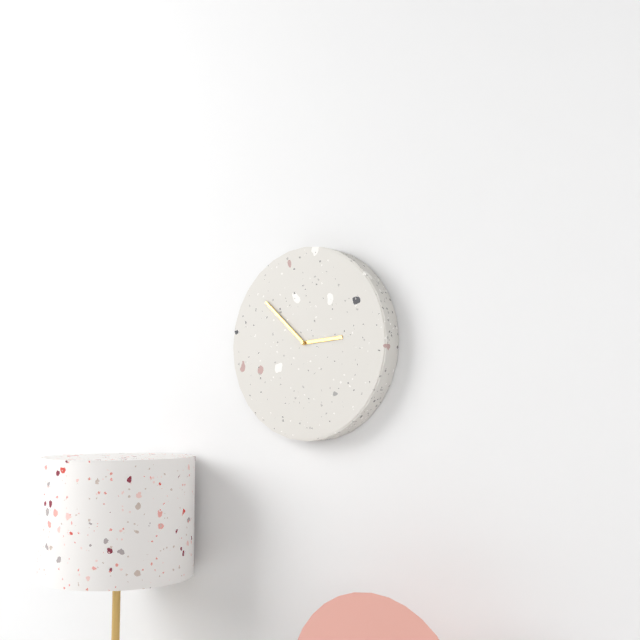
**2:52**
